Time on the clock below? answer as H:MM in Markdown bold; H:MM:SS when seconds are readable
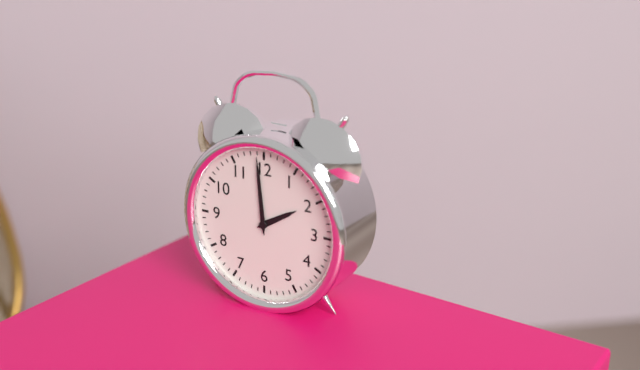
**1:59**
